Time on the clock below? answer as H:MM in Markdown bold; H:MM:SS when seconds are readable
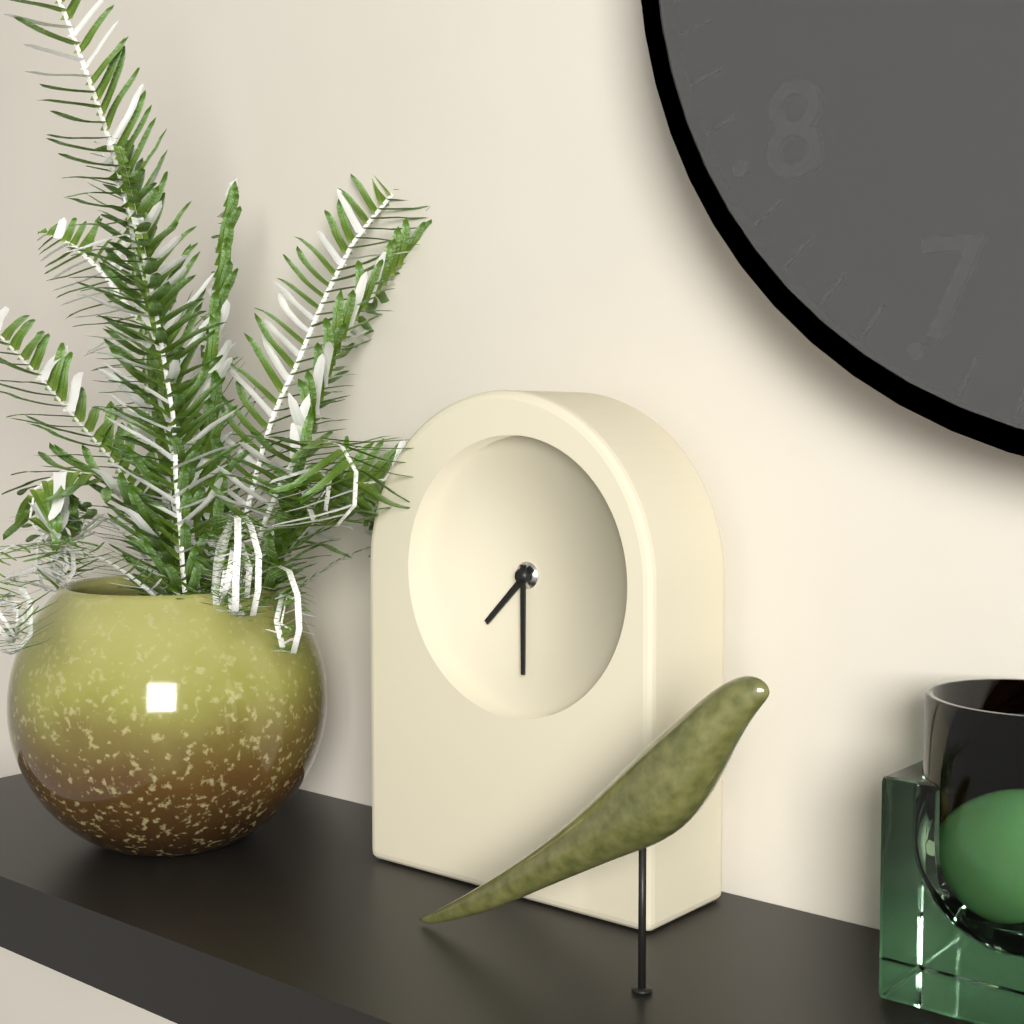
**7:30**
